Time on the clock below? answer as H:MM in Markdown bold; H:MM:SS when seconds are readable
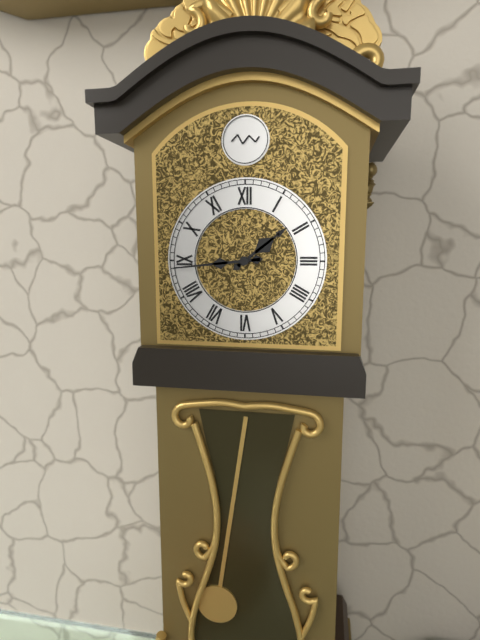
**1:44**
